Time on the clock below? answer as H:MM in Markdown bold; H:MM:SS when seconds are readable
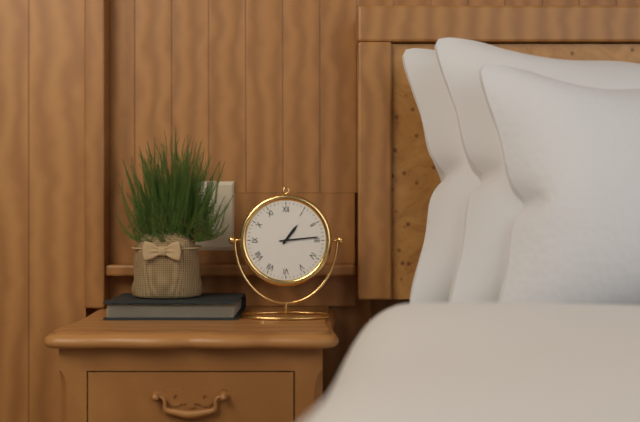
**1:14**
